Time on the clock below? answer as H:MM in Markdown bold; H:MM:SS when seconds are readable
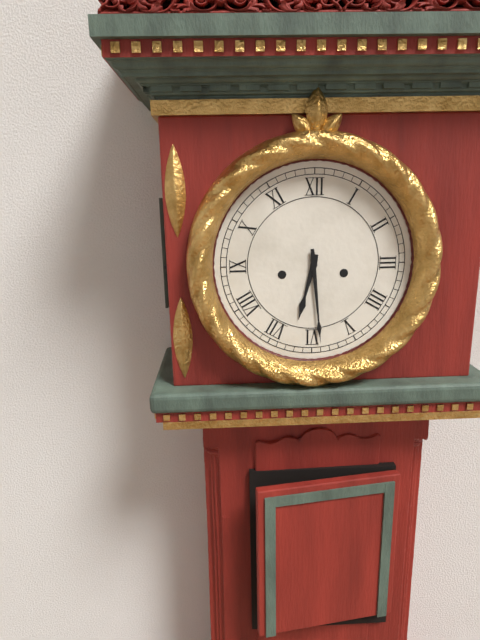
**6:29**
